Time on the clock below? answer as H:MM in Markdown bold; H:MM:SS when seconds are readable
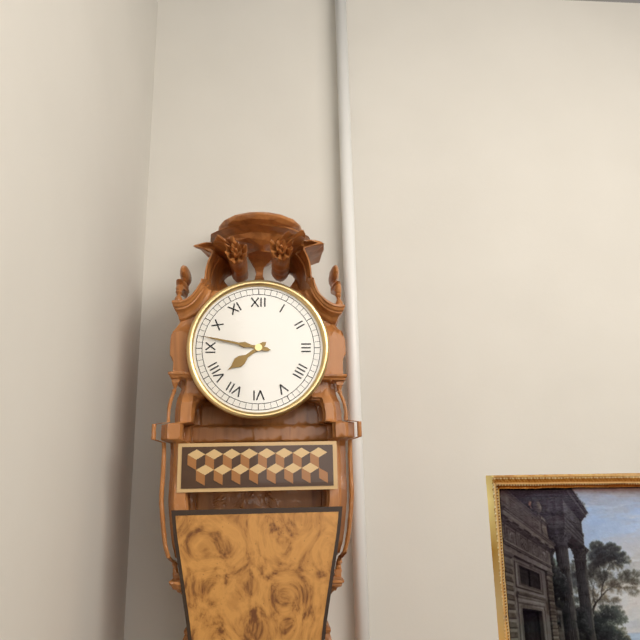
**7:47**
